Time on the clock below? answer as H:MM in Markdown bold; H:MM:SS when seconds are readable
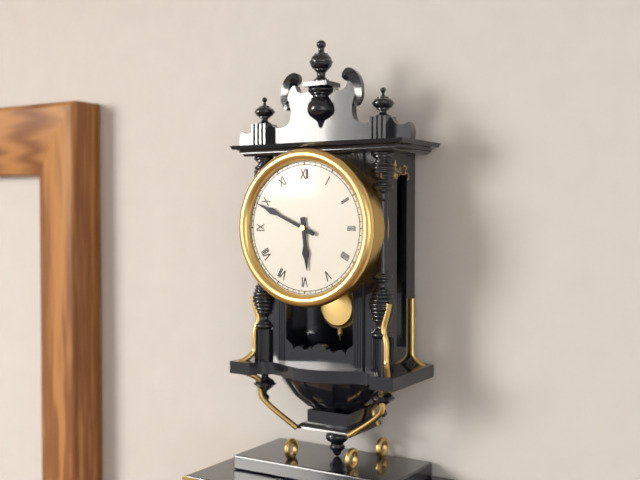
**5:49**
